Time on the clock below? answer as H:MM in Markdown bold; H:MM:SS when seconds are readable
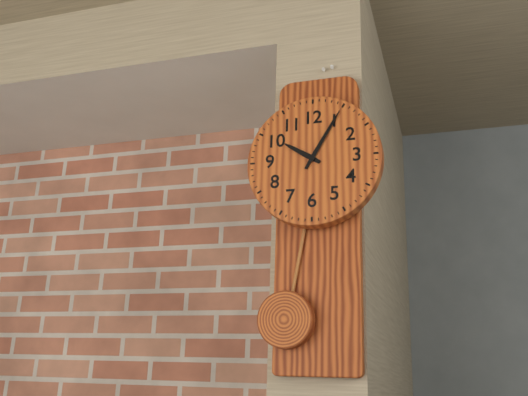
**10:05**
